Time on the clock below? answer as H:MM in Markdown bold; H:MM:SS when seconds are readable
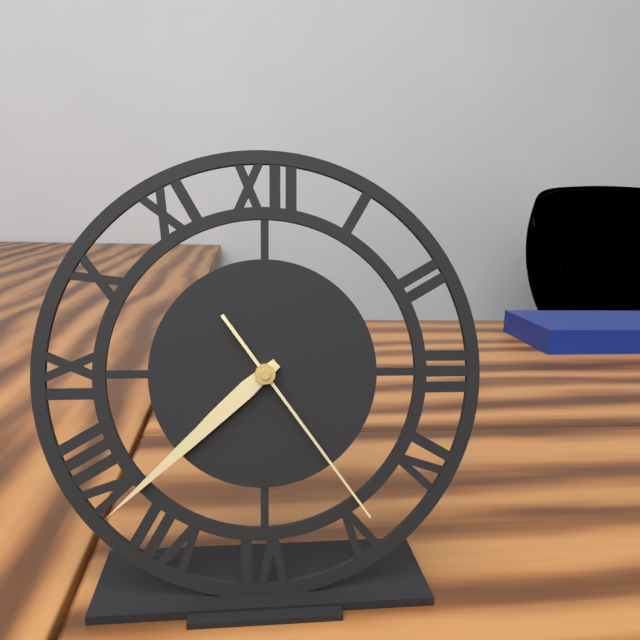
**7:38:24**
